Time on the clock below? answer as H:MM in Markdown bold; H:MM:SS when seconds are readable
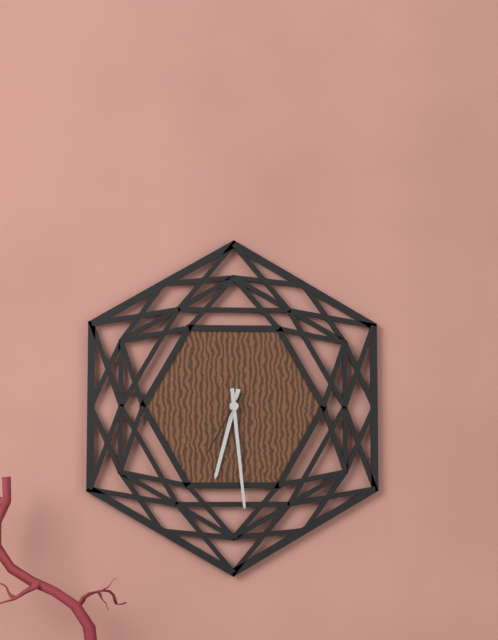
**6:29:35**
